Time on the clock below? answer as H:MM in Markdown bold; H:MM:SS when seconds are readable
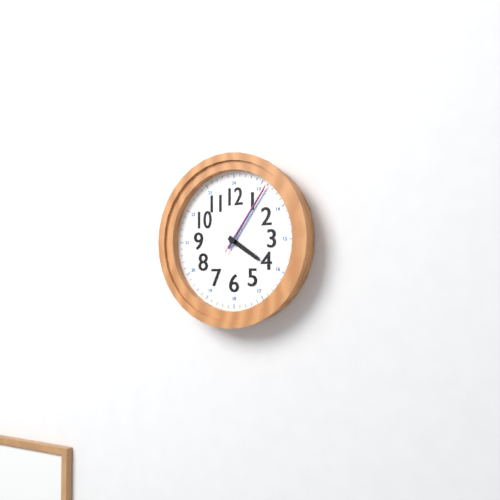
**4:06:06**
